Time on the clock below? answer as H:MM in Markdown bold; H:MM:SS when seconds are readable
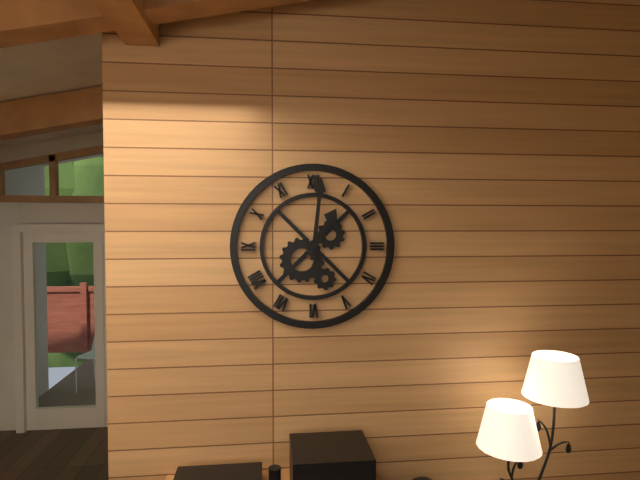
**1:01**
